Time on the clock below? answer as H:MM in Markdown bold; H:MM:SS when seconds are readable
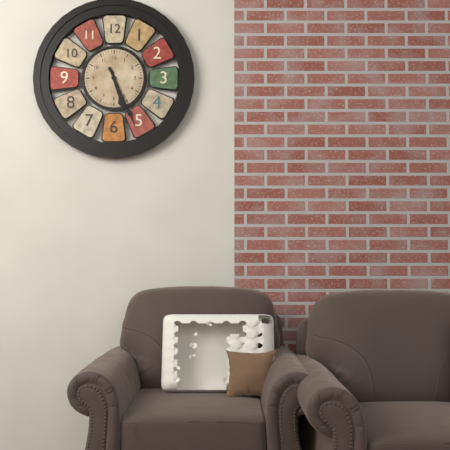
**5:26**
